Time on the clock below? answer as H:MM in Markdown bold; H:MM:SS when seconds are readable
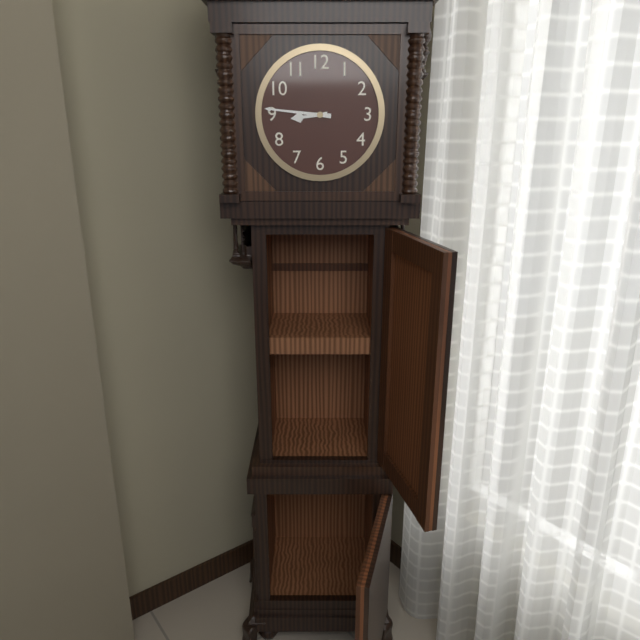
**8:46**
